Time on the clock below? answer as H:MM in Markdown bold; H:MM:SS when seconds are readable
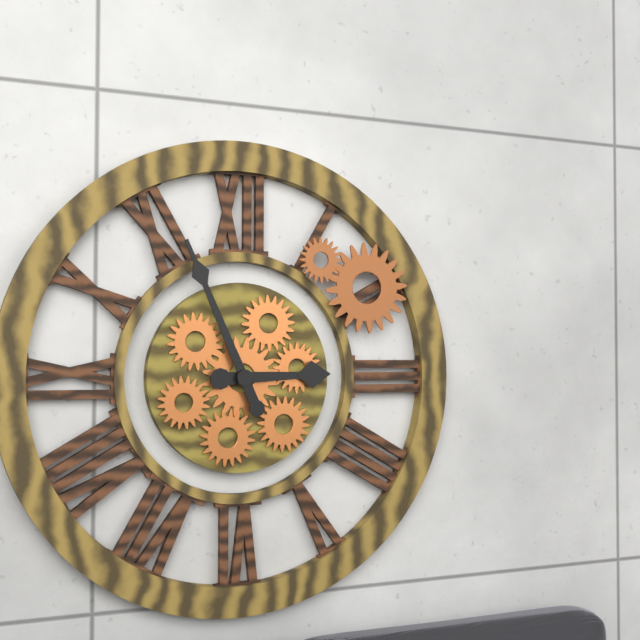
**2:56**
